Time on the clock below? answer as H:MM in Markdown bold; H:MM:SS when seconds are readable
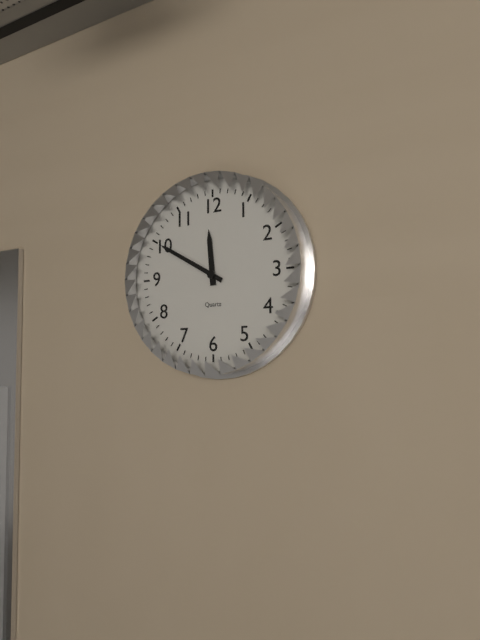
**11:50**
